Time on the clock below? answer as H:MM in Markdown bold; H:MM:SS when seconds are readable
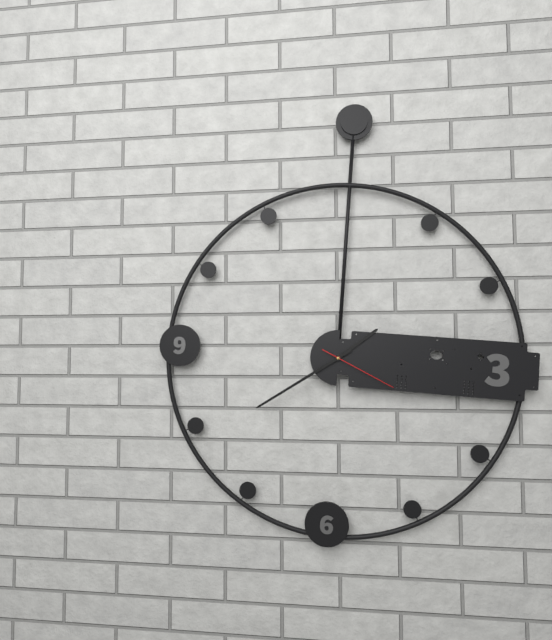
**1:39:19**
